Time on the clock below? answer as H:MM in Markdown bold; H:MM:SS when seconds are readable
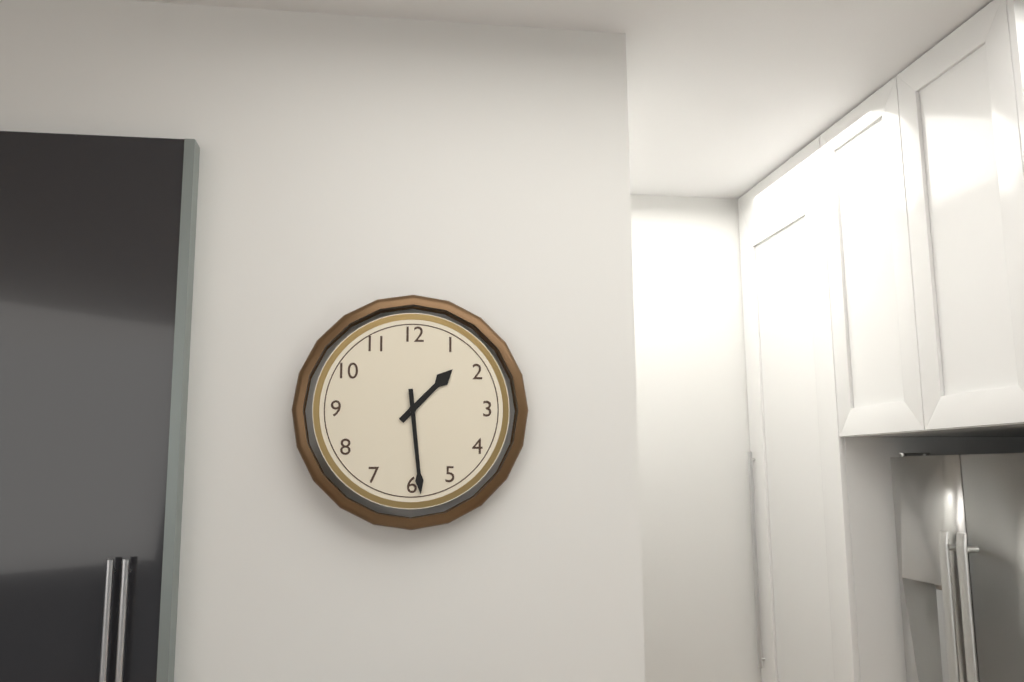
**1:29**
